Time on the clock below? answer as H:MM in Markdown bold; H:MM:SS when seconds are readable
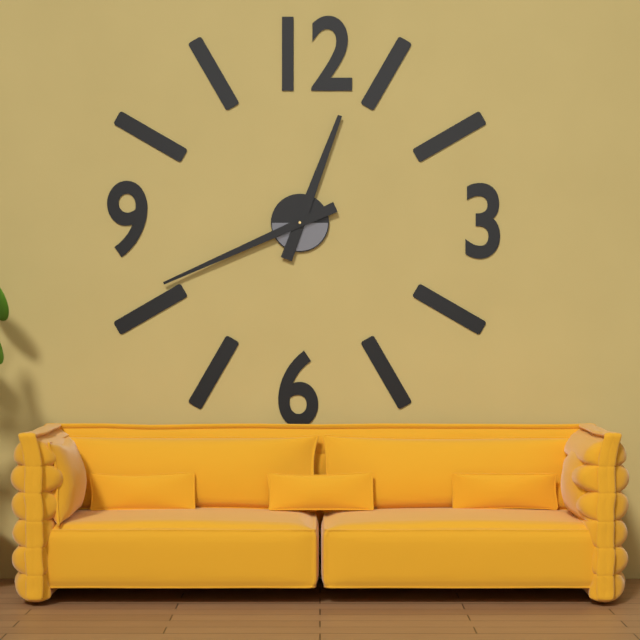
**12:41**
